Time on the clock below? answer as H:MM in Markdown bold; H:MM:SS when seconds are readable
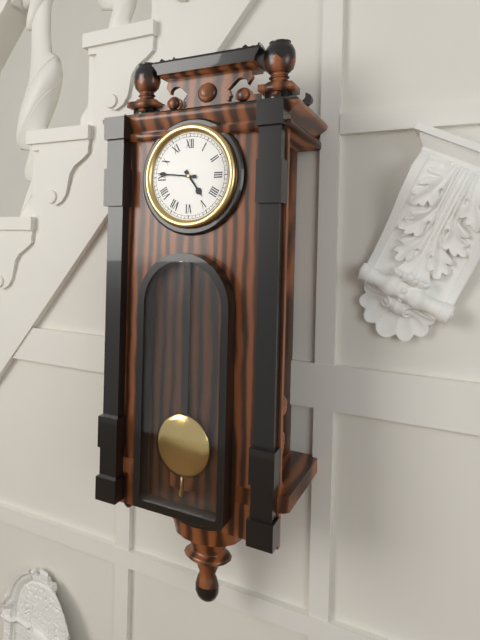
**4:46**
